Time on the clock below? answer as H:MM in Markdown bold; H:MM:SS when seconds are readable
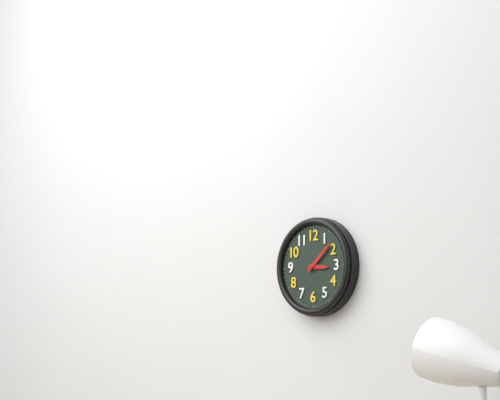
**3:08**
